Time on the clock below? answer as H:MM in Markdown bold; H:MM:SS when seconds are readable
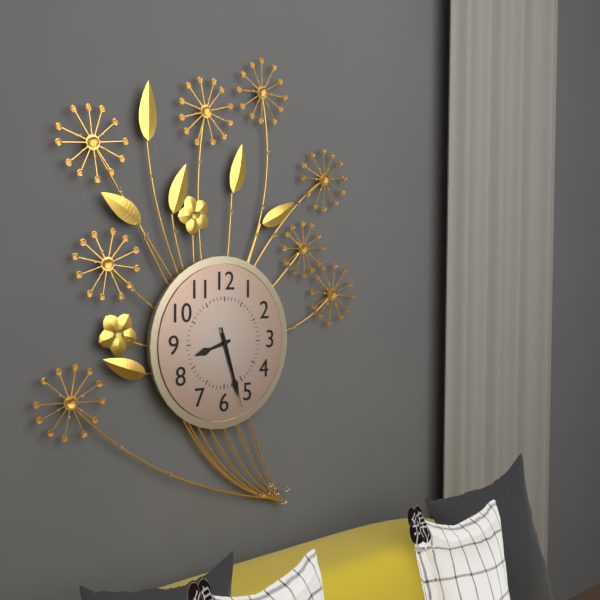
**8:27:27**
